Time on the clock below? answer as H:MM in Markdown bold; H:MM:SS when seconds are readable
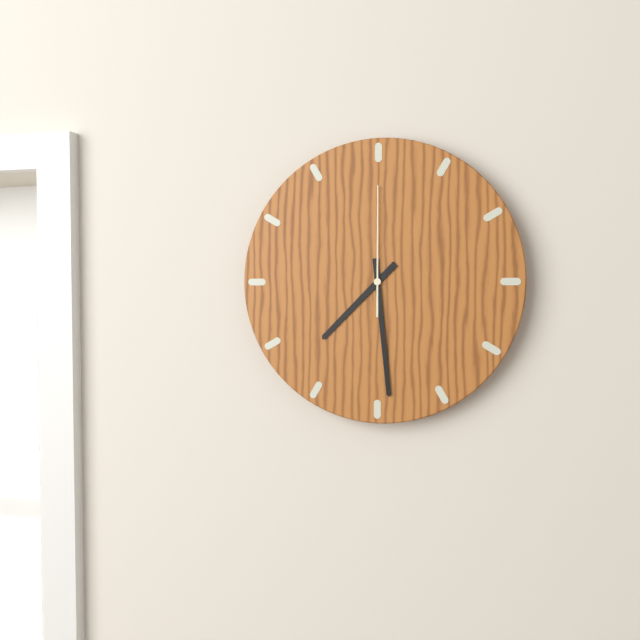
**7:29:00**
